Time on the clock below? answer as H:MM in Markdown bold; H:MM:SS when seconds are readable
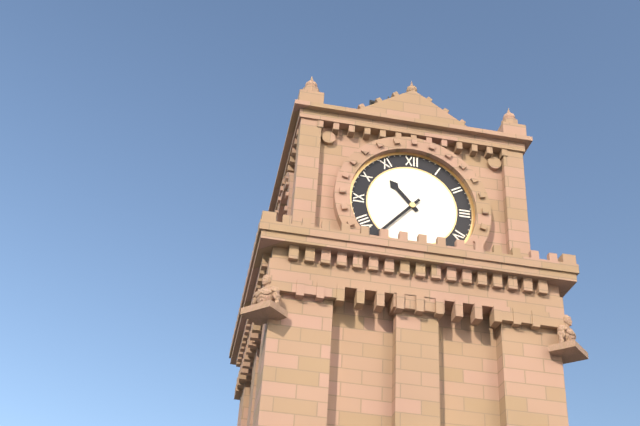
**10:37**
